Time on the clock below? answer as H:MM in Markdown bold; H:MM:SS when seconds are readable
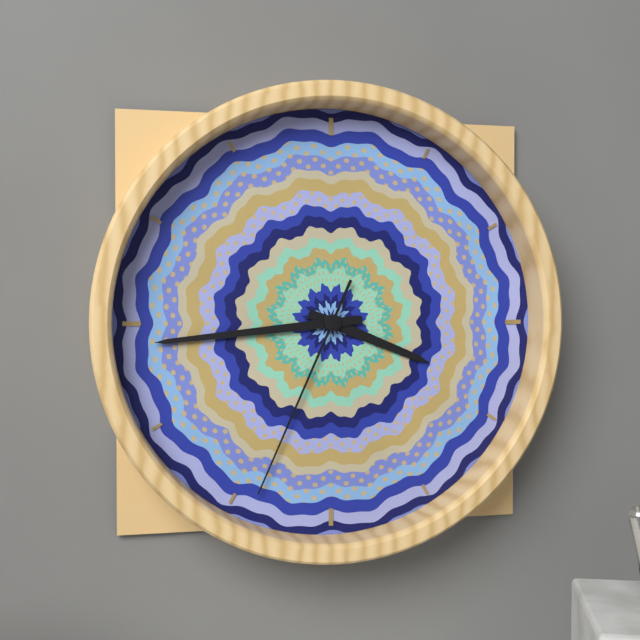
**3:44:34**
